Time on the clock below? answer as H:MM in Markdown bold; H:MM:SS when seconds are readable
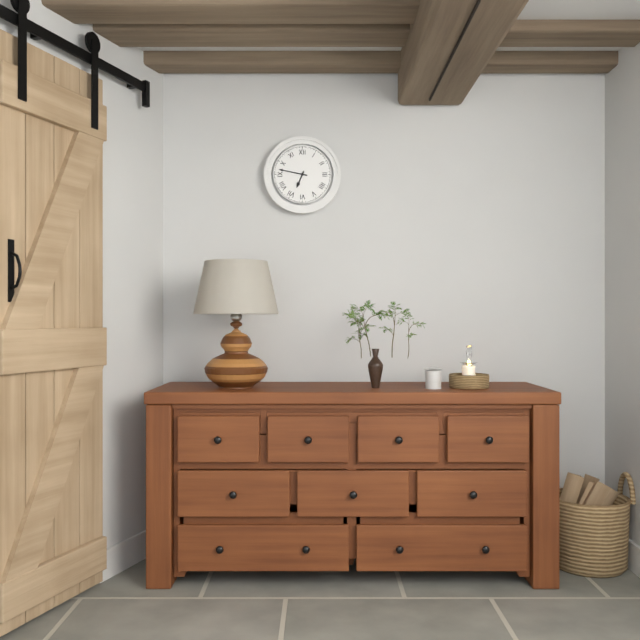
**6:47**
